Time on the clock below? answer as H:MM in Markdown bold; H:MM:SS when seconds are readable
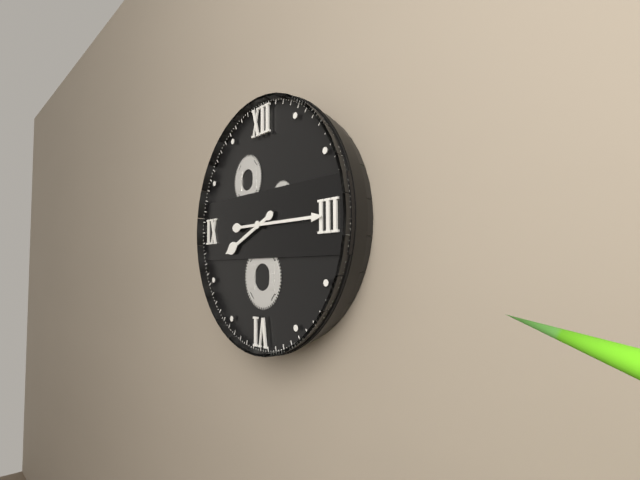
**8:15**
